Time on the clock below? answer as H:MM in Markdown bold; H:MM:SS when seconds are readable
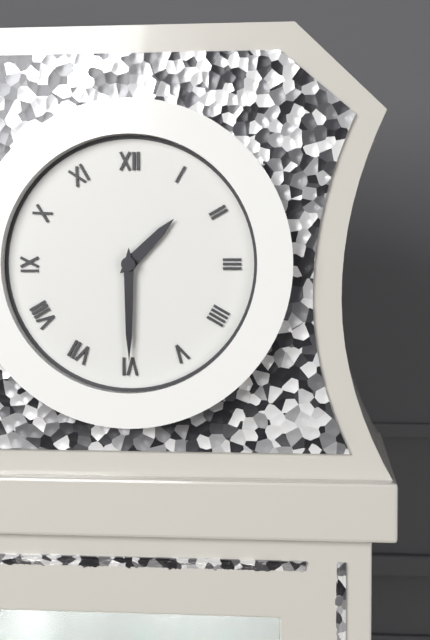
**1:30**
